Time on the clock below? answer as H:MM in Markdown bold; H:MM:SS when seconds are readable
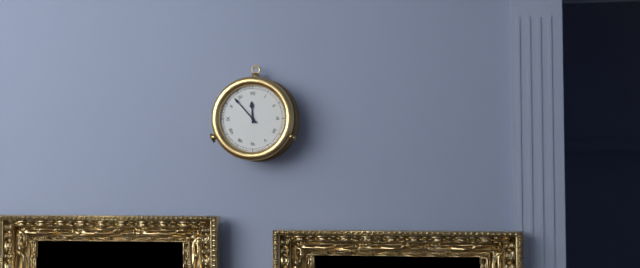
**11:53**
